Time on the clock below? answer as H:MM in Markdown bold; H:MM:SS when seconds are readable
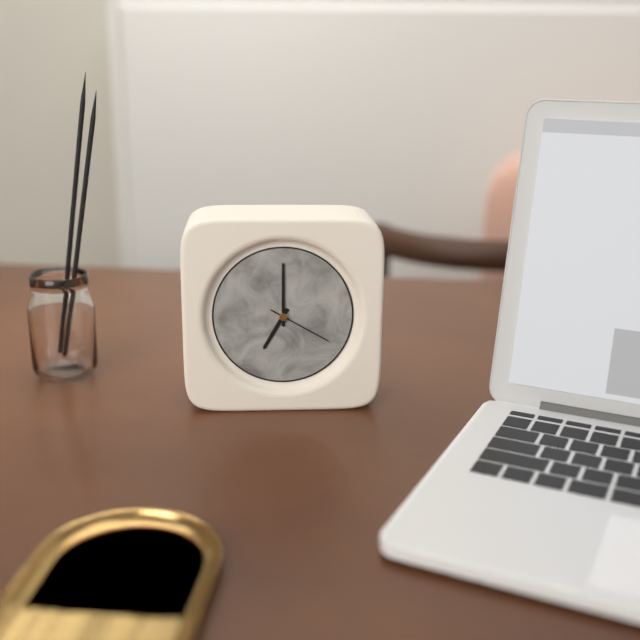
**7:00:20**
